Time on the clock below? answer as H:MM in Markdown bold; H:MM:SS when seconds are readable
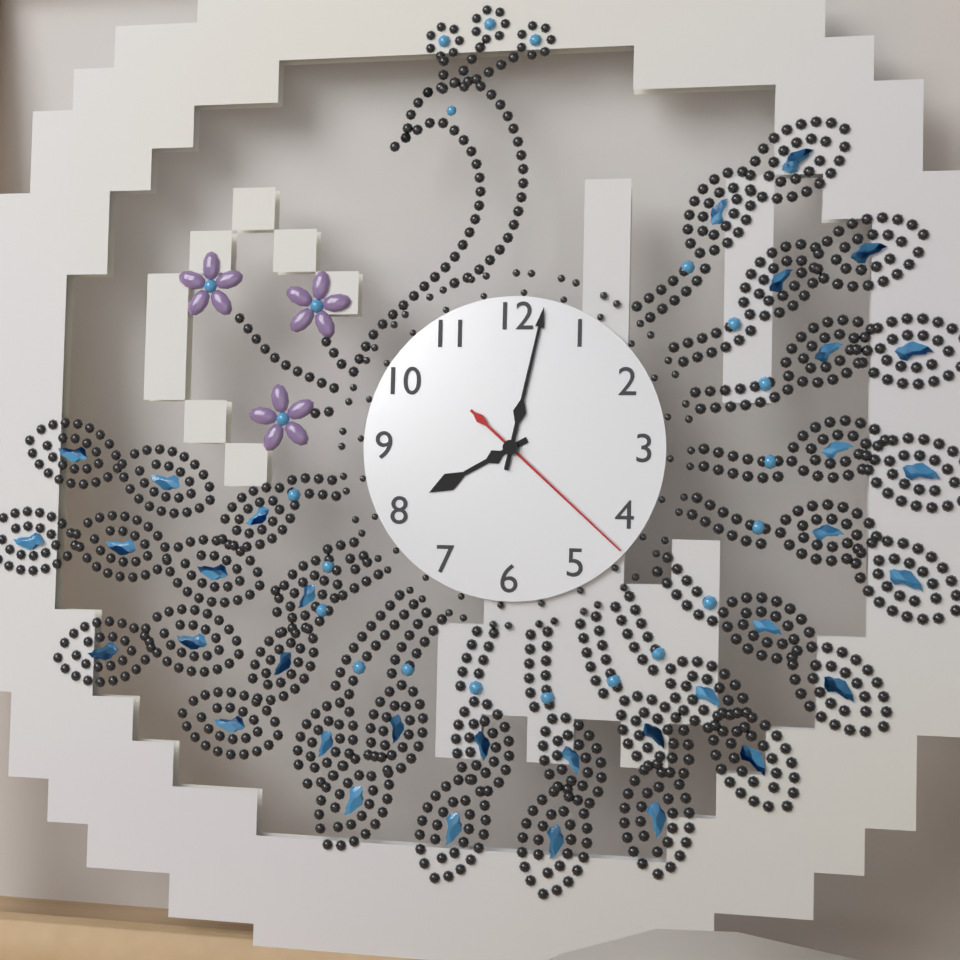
**8:02:22**
